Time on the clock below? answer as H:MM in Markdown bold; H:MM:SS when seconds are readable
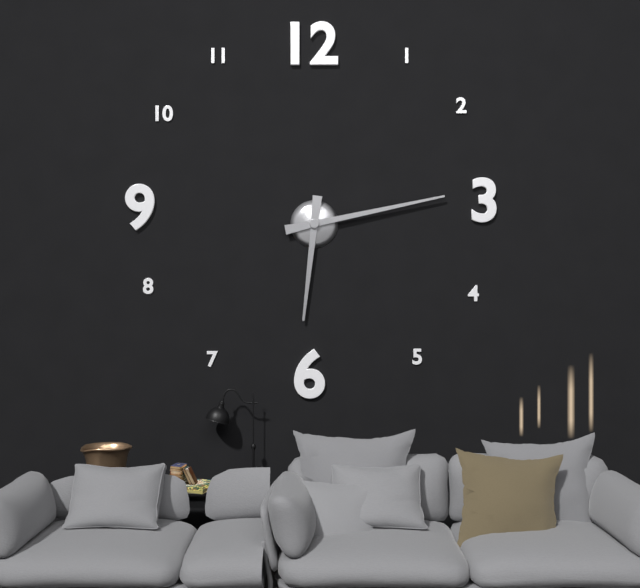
**6:13**
